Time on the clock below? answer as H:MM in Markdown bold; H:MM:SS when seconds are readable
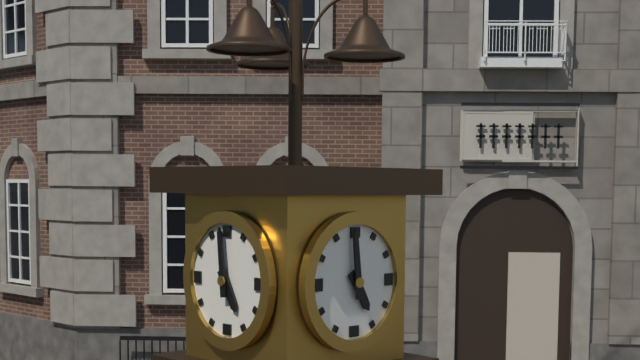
**4:59**
